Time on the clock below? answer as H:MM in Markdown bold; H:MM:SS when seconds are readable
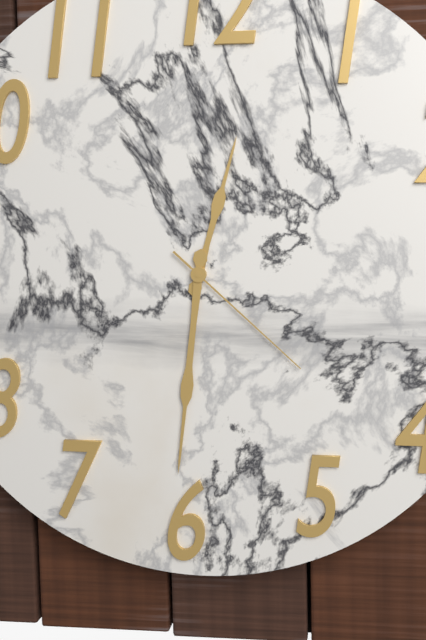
**12:31:22**
